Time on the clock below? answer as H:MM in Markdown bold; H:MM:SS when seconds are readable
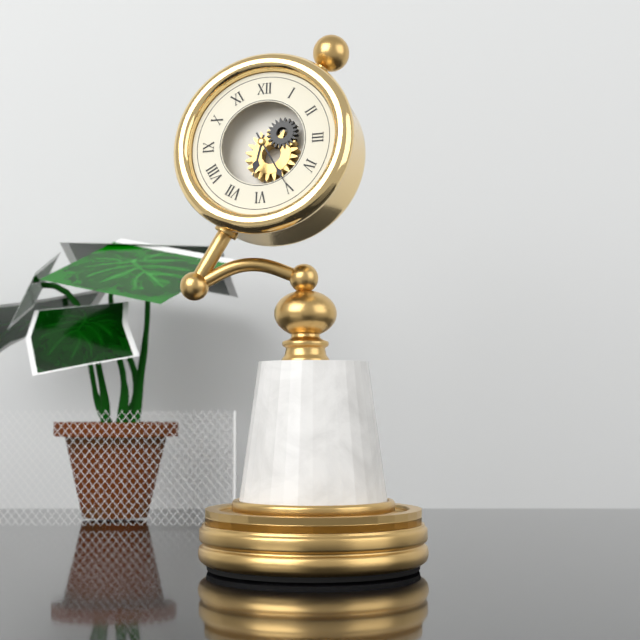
**6:25**
